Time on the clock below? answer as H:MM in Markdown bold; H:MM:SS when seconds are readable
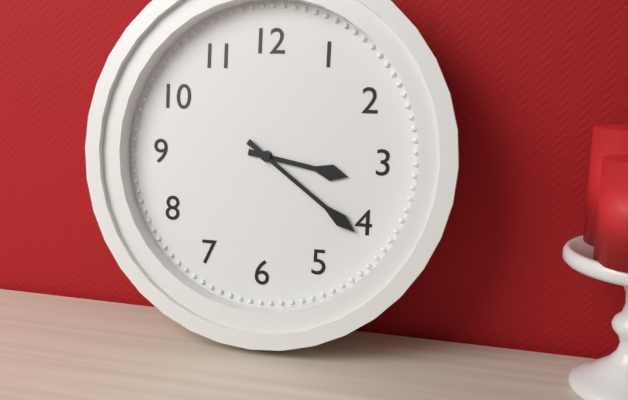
**3:21**
